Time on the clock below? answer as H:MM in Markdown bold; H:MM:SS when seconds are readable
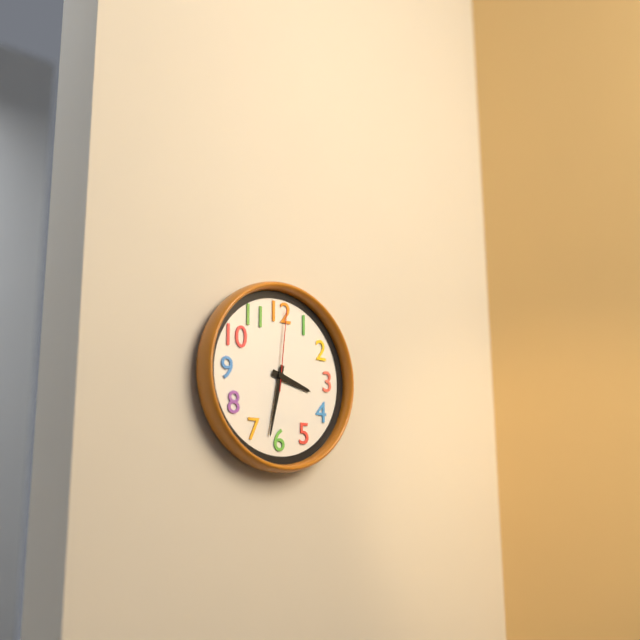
**3:32:01**
